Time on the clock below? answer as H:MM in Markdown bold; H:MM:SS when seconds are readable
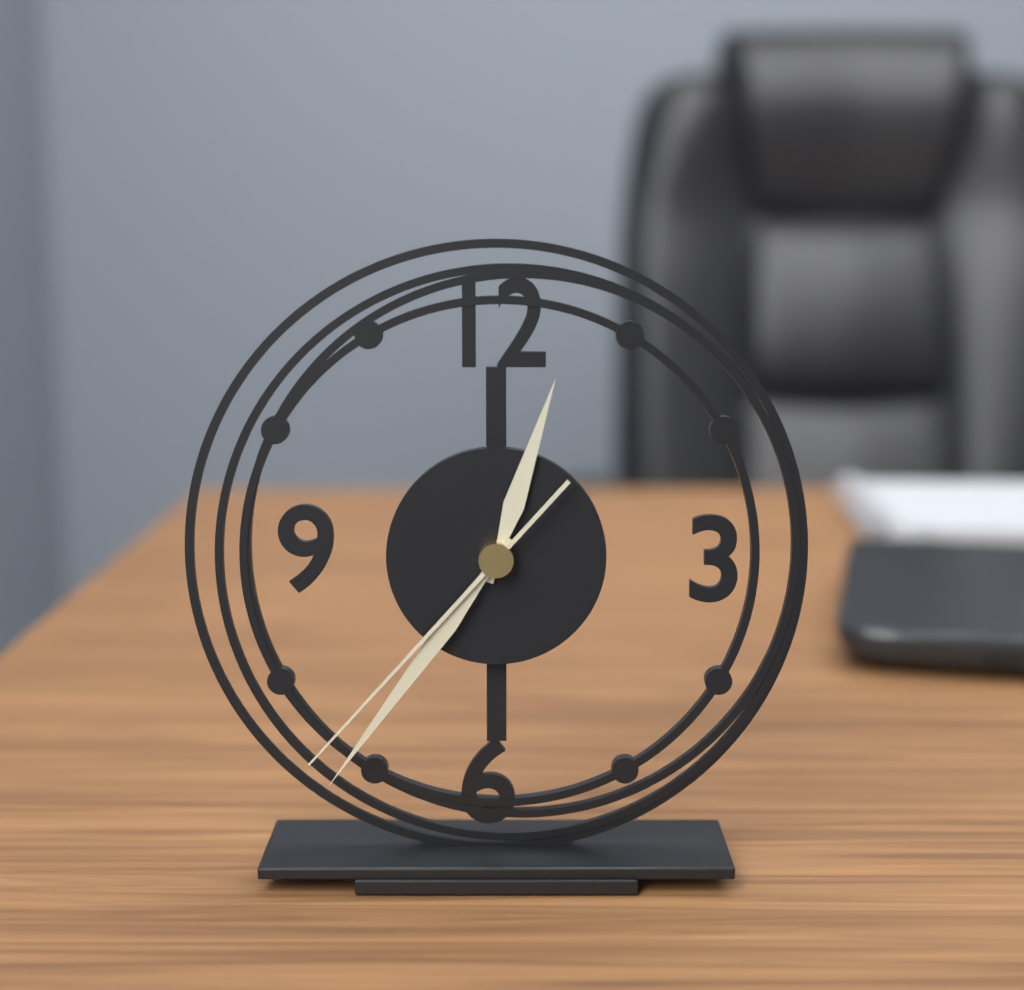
**12:36:37**
